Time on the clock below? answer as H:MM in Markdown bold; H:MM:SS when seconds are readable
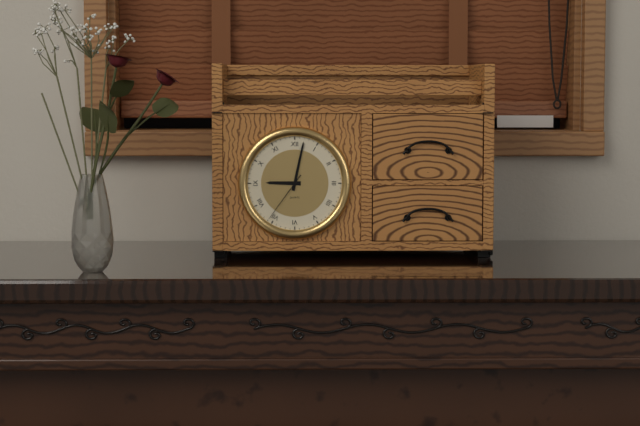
**9:02:36**
